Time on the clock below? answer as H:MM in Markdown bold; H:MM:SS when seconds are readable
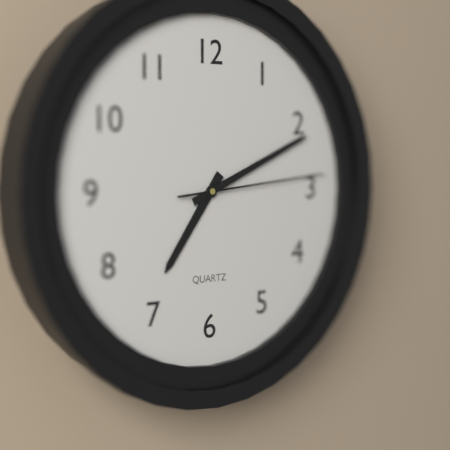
**7:11:14**
